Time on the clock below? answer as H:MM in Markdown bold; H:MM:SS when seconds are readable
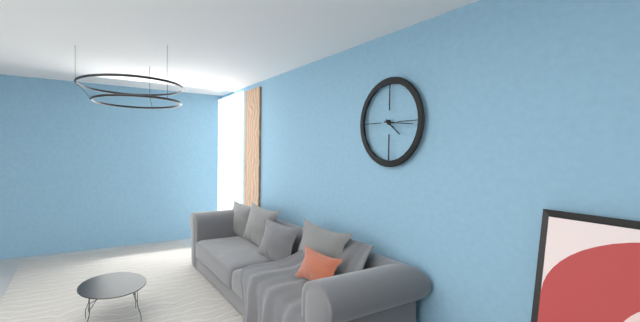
**4:16**
